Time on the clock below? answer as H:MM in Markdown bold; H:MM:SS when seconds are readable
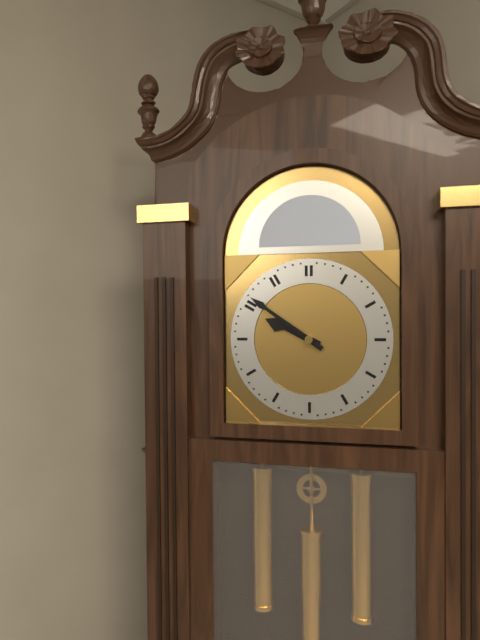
**9:51**
